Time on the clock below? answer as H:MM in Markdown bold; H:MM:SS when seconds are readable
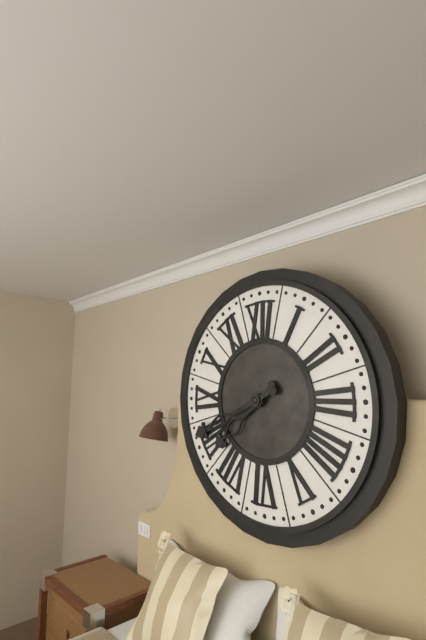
**7:41**
